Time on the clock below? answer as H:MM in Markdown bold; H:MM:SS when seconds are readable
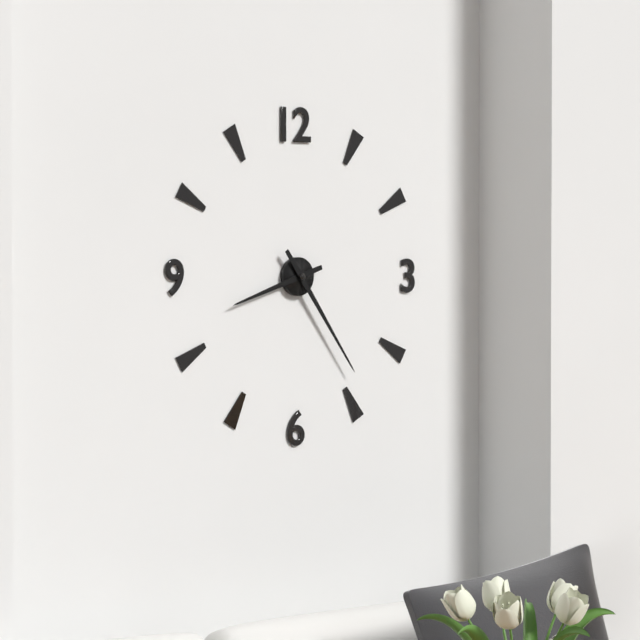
**8:24**
